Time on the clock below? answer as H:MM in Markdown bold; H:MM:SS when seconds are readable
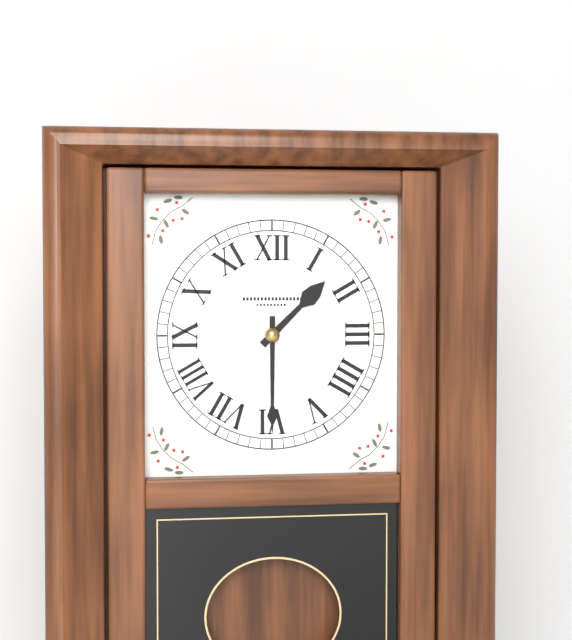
**1:30**
